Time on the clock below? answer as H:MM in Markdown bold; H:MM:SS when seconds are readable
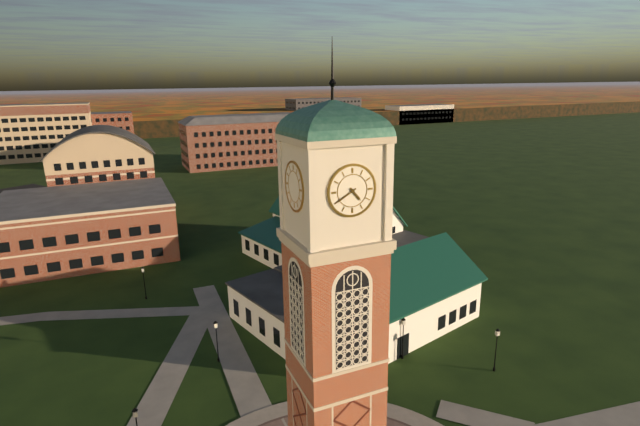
**4:40**
